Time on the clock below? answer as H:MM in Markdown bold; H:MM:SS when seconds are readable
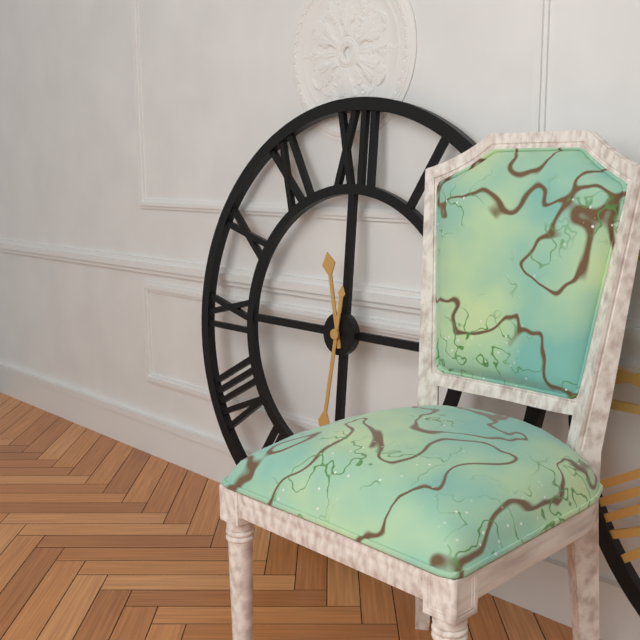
**11:31**
